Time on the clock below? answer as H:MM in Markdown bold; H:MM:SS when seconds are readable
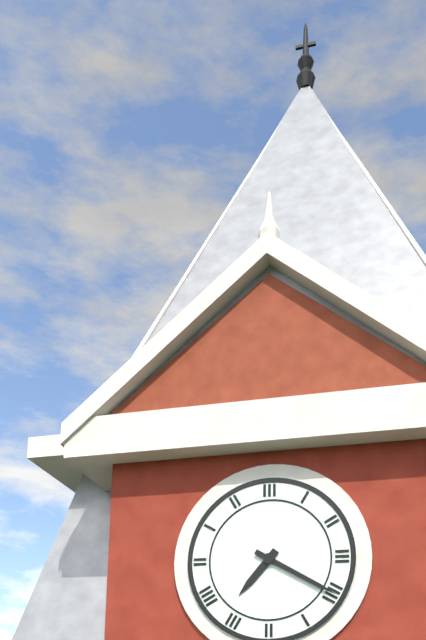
**7:20**
